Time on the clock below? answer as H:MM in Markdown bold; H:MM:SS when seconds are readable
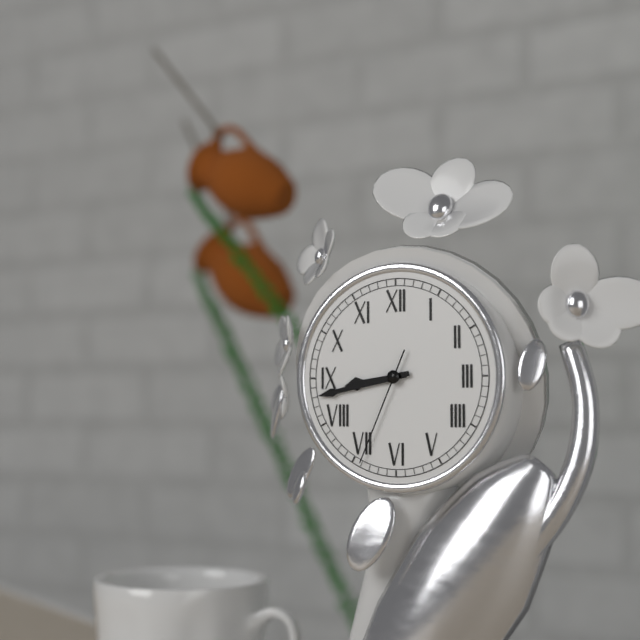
**8:43:34**
